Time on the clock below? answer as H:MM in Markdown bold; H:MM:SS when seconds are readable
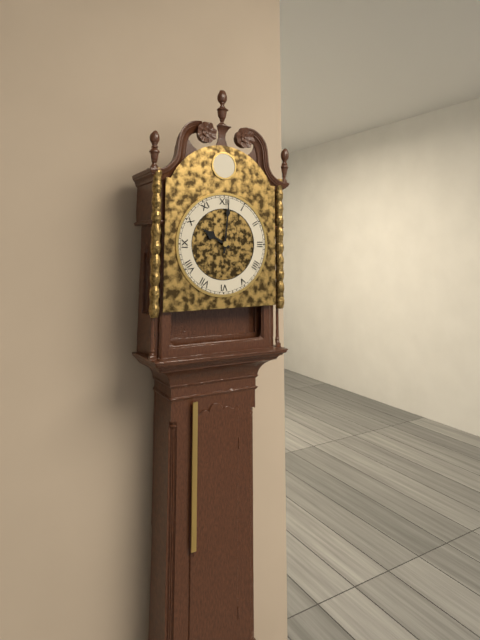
**10:01**
